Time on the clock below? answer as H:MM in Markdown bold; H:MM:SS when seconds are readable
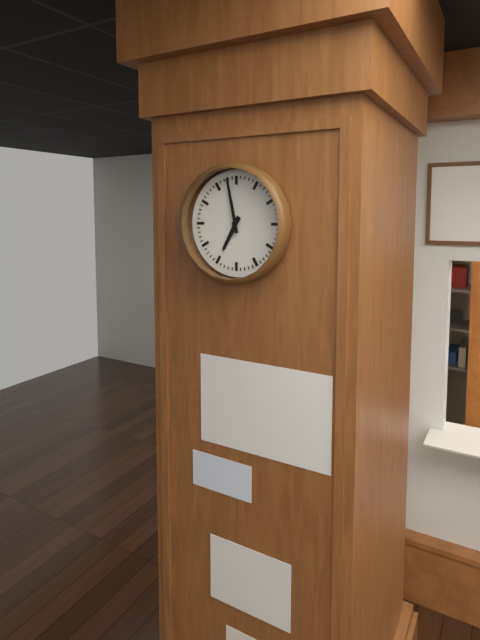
**6:58**
